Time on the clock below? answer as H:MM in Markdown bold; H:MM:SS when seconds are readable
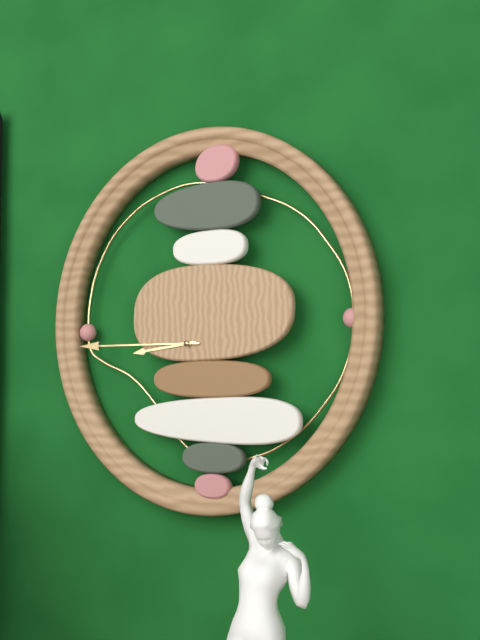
**8:45**
